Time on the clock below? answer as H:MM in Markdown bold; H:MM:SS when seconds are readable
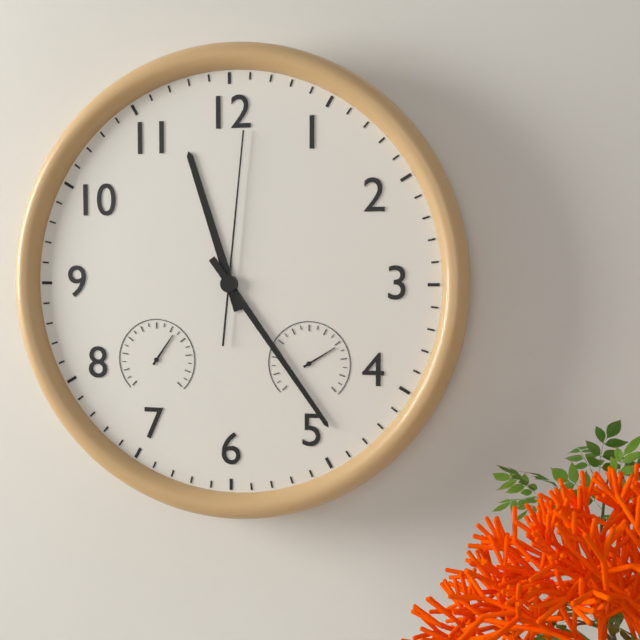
**11:24:01**
